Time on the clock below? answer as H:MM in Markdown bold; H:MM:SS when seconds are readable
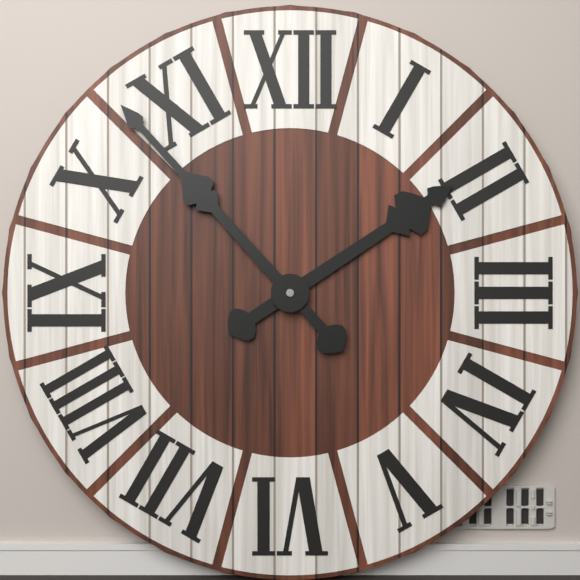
**1:53**
